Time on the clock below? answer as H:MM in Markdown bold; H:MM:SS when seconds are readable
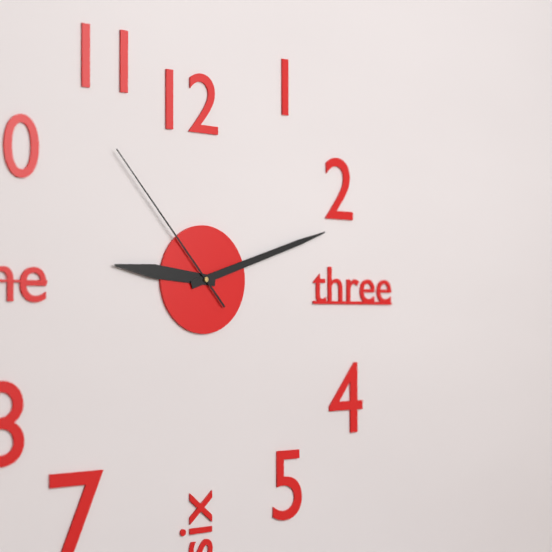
**9:12:53**
